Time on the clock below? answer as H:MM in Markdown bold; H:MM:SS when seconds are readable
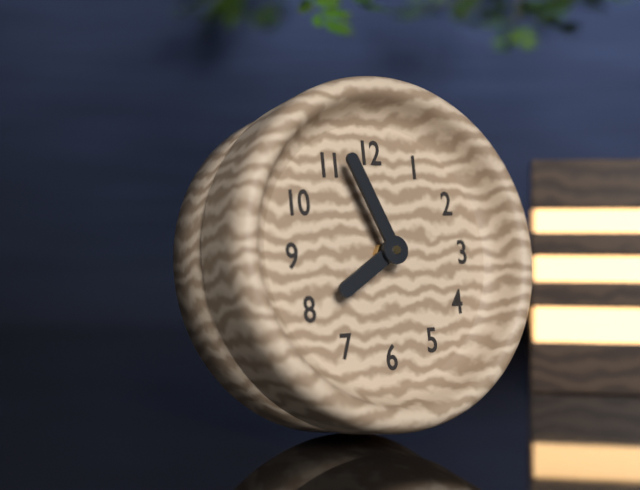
**7:56**
